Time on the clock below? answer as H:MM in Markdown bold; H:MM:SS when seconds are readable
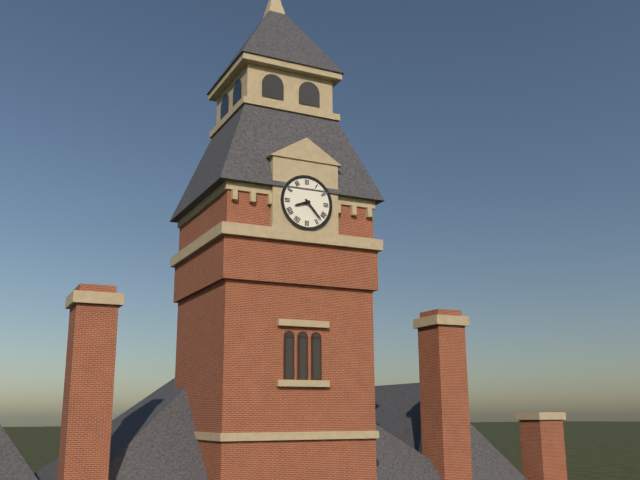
**8:23**
